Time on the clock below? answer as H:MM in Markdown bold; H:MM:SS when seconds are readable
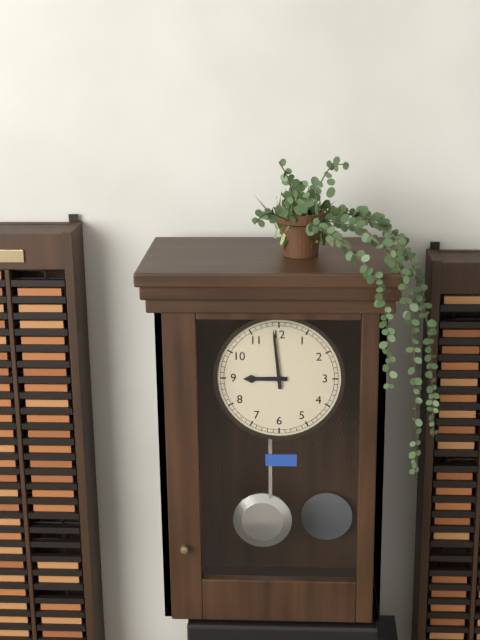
**8:59**
